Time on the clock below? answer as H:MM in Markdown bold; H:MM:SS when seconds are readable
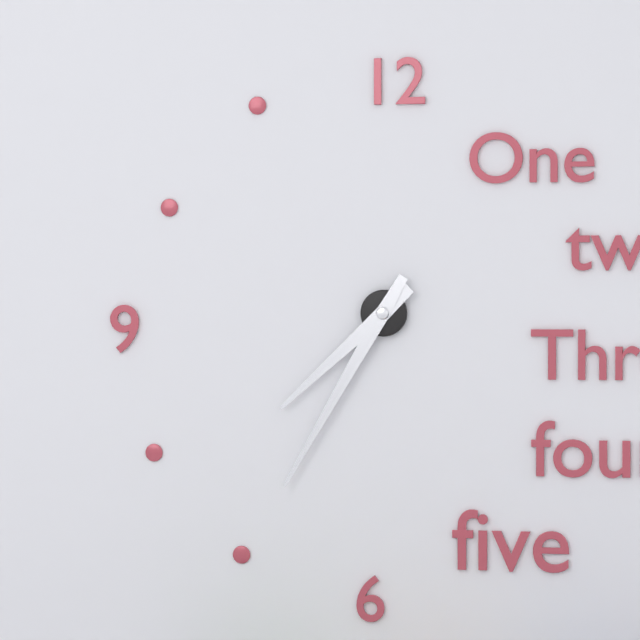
**7:35**
